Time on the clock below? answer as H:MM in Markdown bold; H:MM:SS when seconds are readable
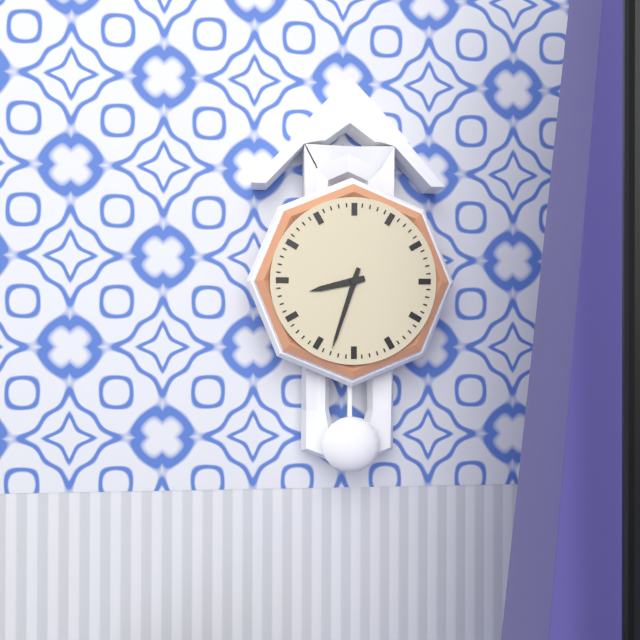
**8:33**
